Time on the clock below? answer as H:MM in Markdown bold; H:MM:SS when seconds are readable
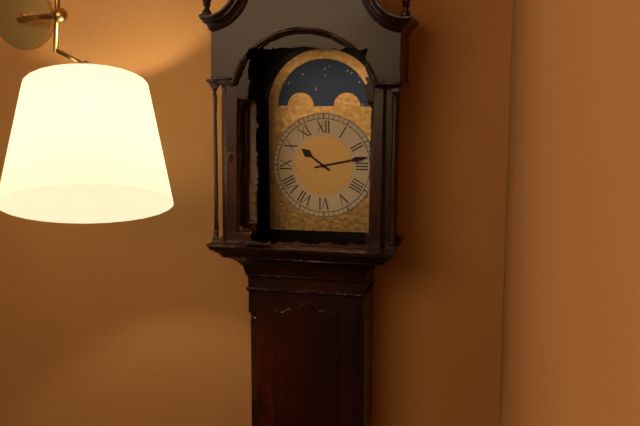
**10:13**
